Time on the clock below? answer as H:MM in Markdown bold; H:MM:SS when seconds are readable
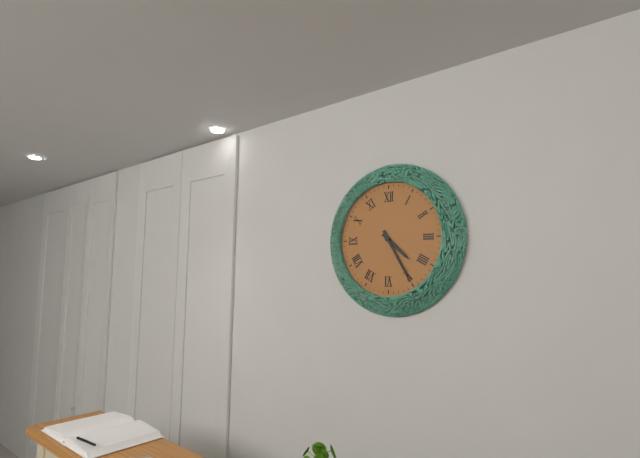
**4:25**
